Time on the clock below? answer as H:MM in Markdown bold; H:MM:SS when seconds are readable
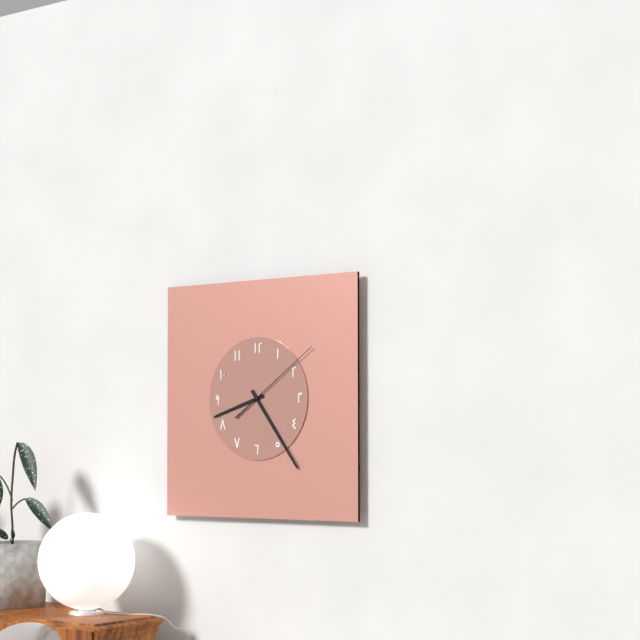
**8:24:09**
